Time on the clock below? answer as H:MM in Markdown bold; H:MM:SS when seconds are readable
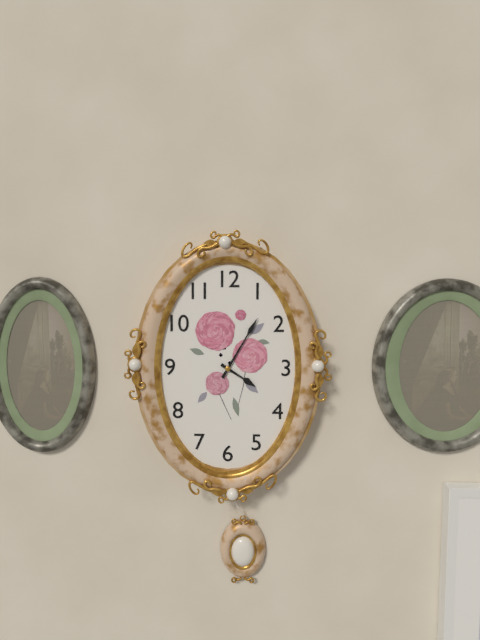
**4:05**
